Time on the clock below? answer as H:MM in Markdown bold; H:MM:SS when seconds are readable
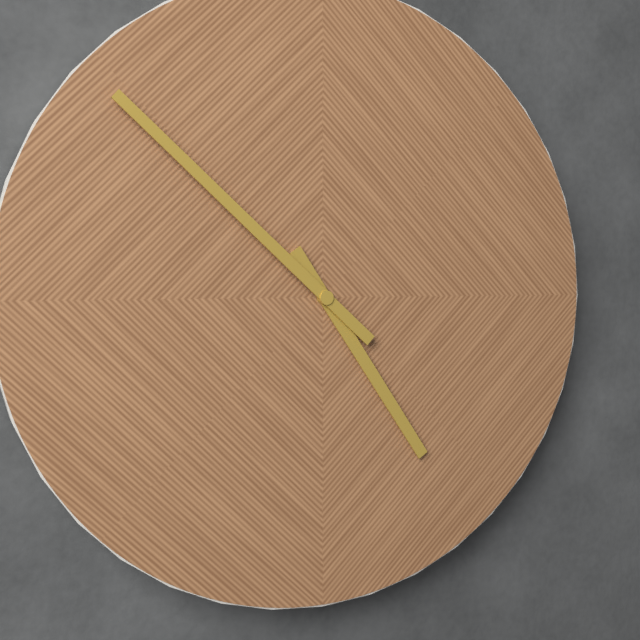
**4:52**
